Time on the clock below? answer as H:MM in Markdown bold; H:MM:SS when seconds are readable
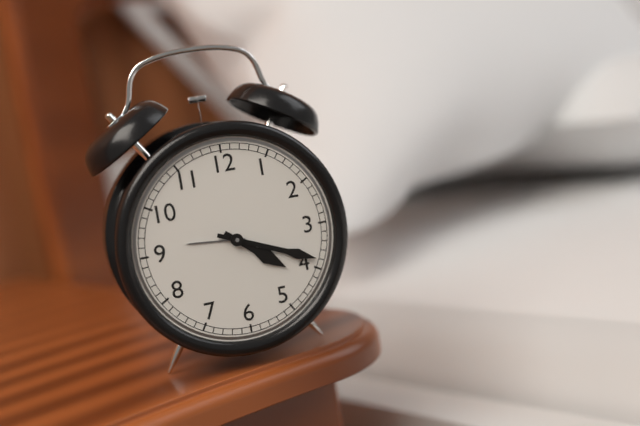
**4:19**
